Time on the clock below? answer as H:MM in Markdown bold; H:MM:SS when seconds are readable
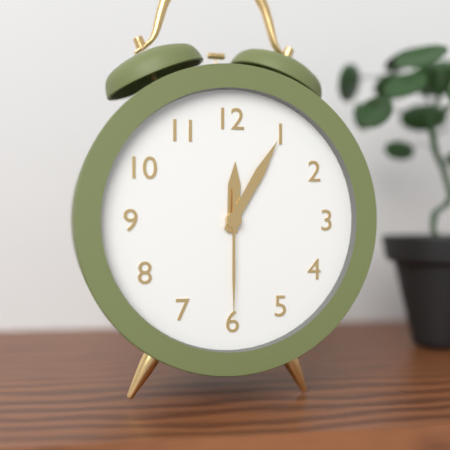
**12:05:30**
